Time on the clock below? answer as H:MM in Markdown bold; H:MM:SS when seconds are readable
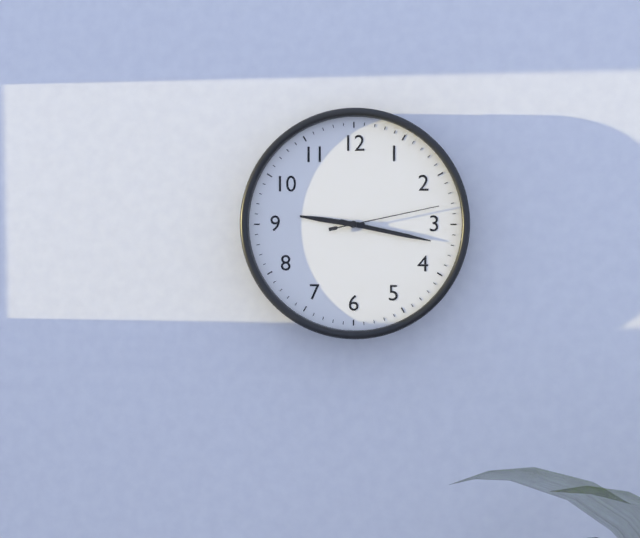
**9:17:13**
